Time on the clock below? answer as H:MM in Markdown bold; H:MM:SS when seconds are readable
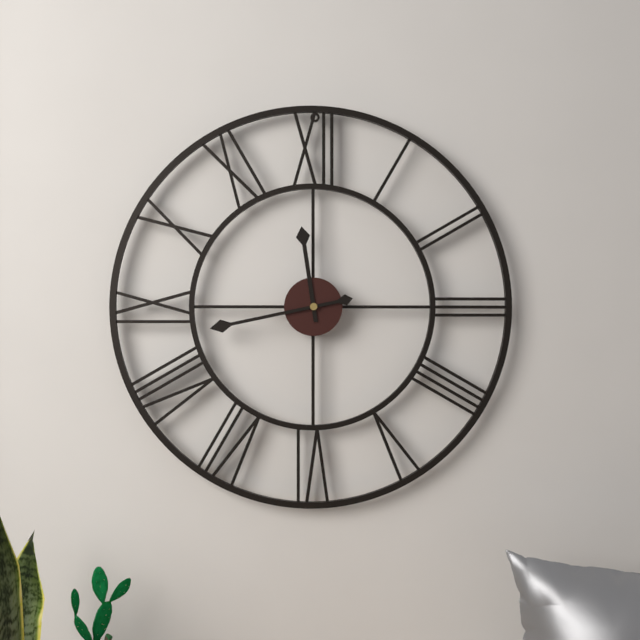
**11:43**
